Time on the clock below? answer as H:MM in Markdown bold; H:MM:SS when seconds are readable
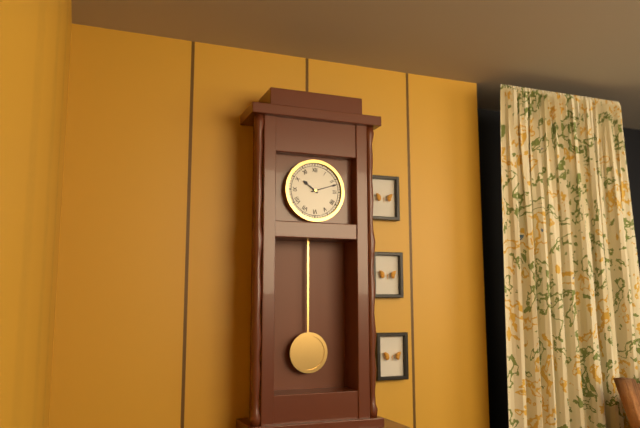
**10:12**
